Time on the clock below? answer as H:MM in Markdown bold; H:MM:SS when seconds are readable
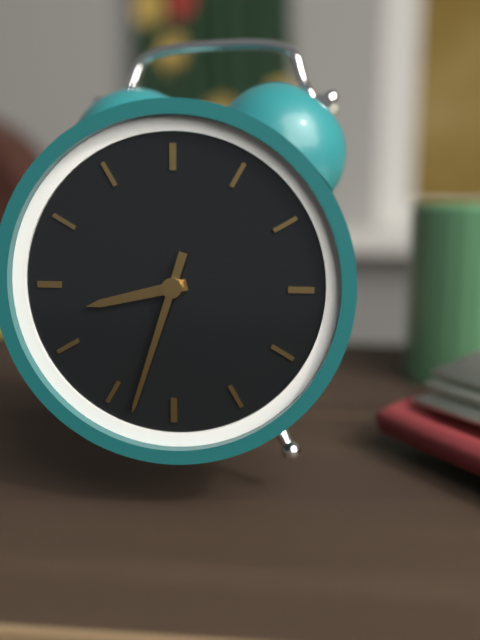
**8:33**
